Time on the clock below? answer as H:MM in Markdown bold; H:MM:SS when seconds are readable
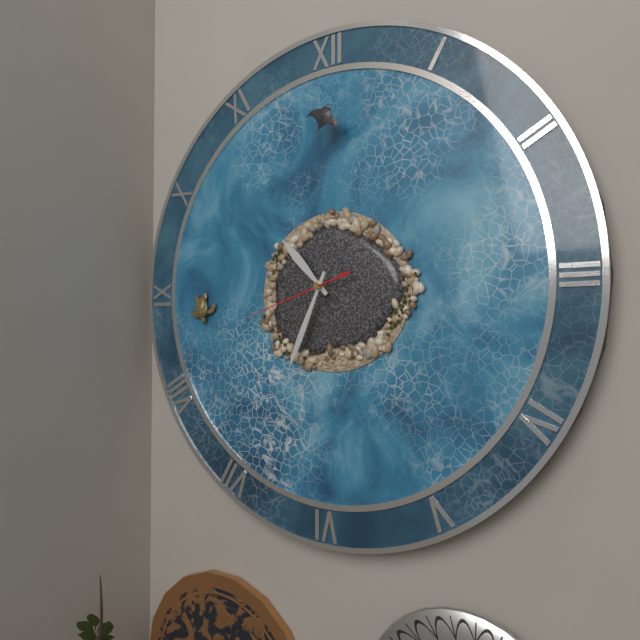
**10:34:42**
